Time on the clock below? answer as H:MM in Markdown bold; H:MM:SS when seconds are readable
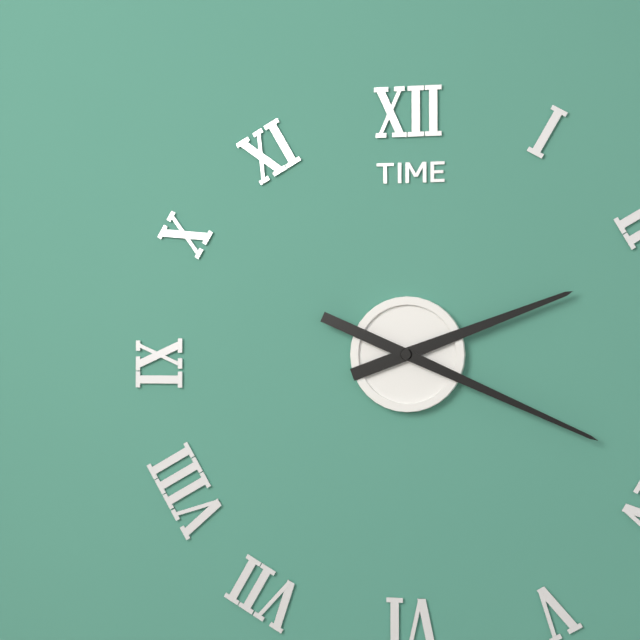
**2:19**
